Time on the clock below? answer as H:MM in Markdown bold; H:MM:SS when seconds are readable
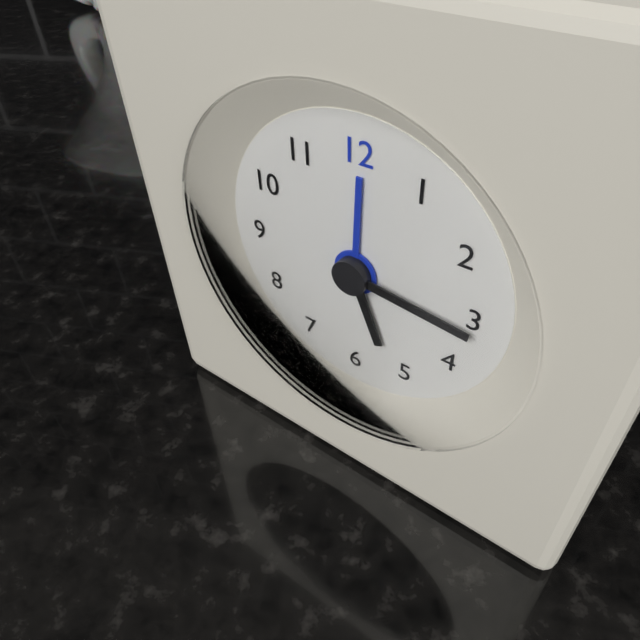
**5:16**
